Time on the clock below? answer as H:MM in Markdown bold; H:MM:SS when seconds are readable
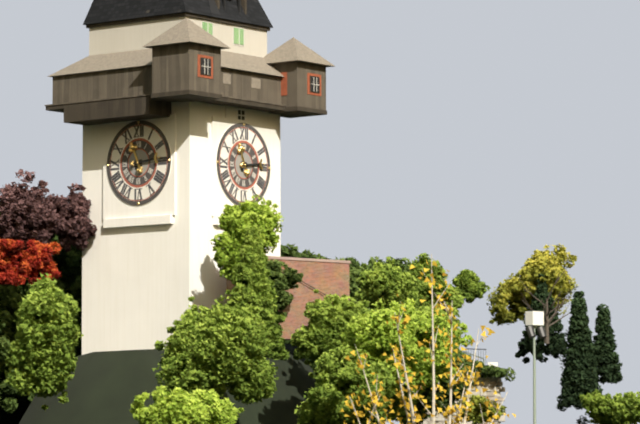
**11:14**
